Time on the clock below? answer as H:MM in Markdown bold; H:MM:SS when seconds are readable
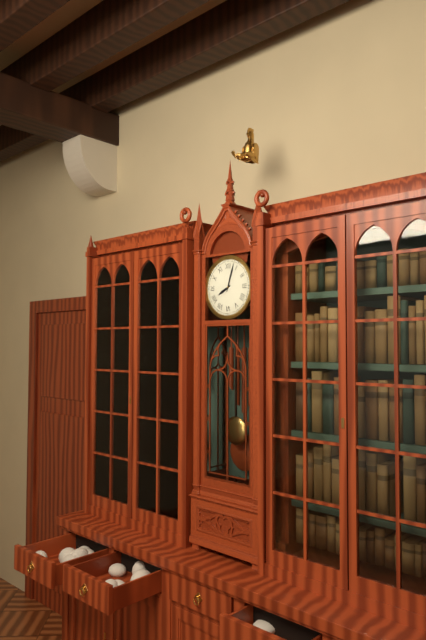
**8:03**
